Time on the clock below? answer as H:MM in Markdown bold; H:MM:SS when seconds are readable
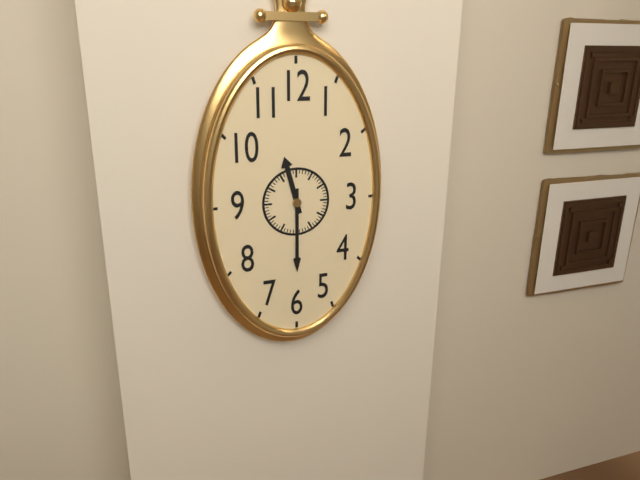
**11:30**
